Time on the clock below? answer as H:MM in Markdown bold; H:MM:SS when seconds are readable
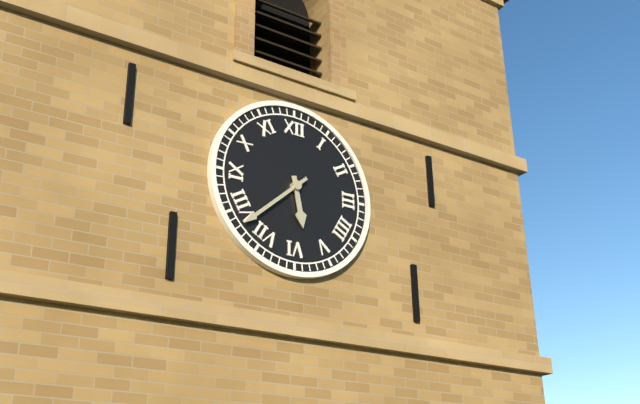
**5:38**
